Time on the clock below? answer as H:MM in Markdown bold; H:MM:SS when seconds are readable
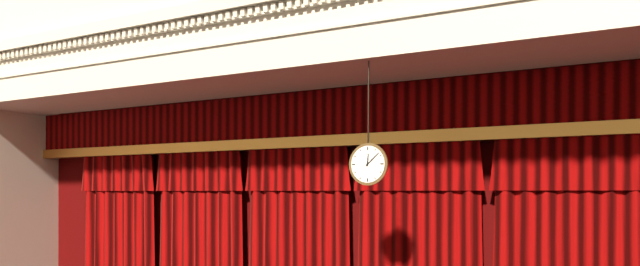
**12:08**
